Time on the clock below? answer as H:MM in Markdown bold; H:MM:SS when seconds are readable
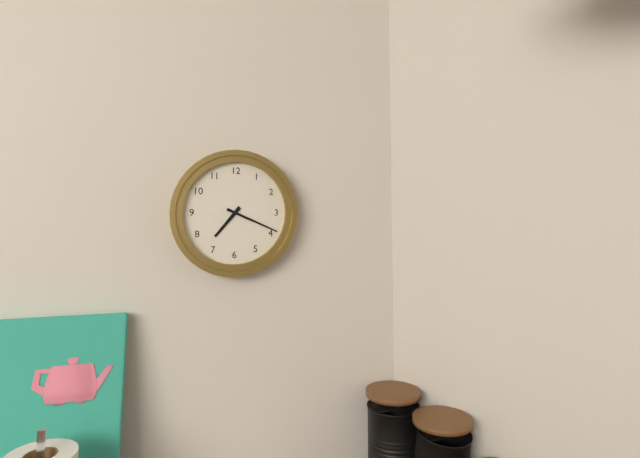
**7:19**
